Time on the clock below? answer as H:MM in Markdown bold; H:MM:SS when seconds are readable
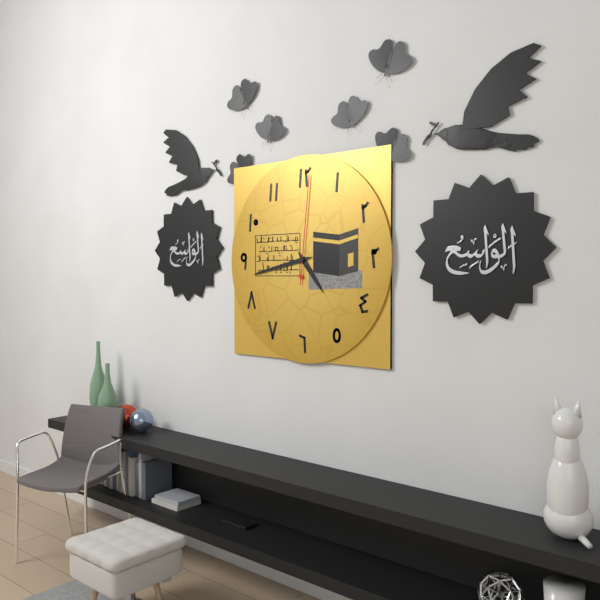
**4:43:01**
